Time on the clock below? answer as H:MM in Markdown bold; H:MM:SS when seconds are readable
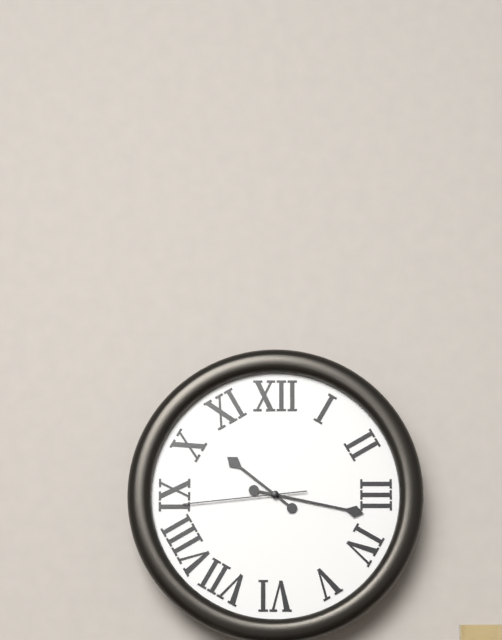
**10:17:44**
